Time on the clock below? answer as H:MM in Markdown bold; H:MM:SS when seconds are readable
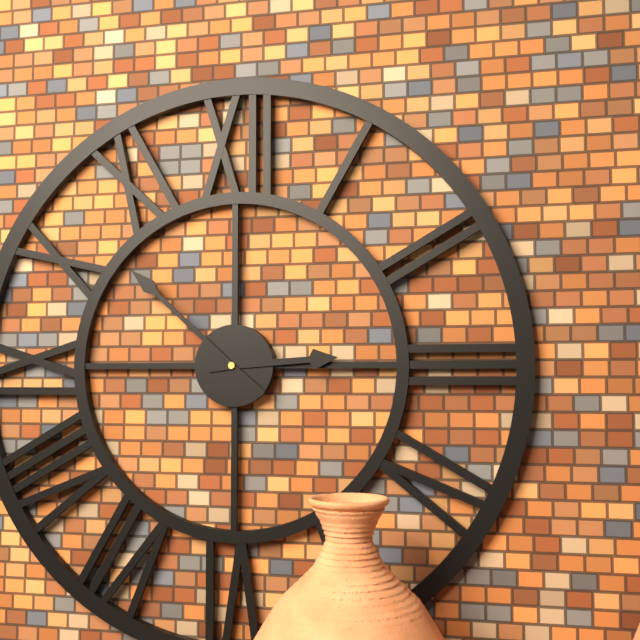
**2:52**
